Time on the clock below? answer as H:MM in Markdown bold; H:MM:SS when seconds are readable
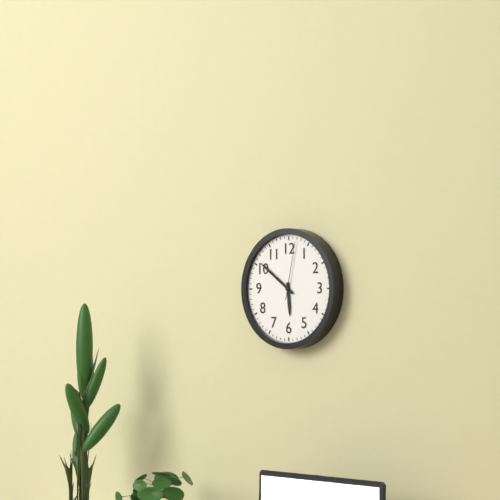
**5:51:02**
